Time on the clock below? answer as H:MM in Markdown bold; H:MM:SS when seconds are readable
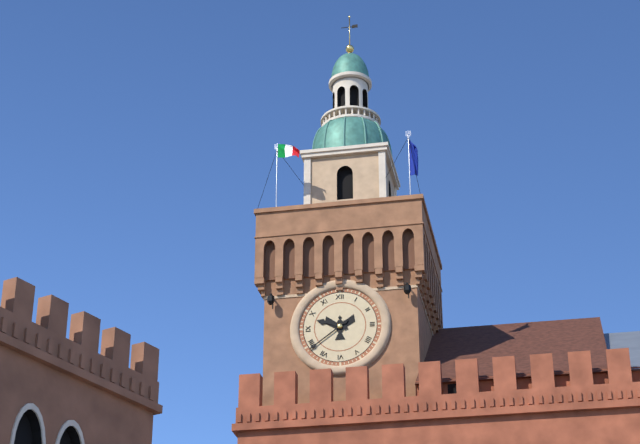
**9:39**
